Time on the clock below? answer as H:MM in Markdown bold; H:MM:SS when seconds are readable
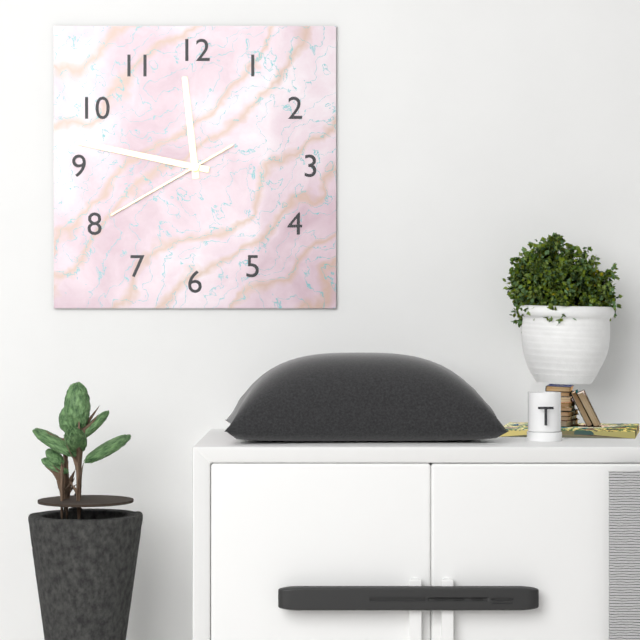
**11:47:40**
